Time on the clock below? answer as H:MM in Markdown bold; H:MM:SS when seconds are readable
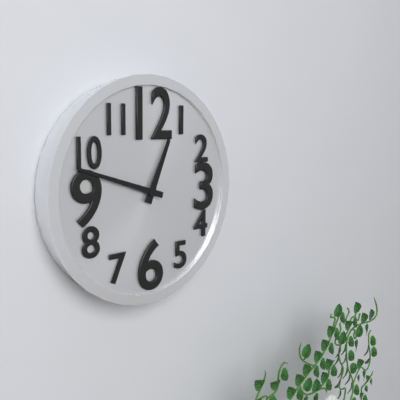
**12:48**
